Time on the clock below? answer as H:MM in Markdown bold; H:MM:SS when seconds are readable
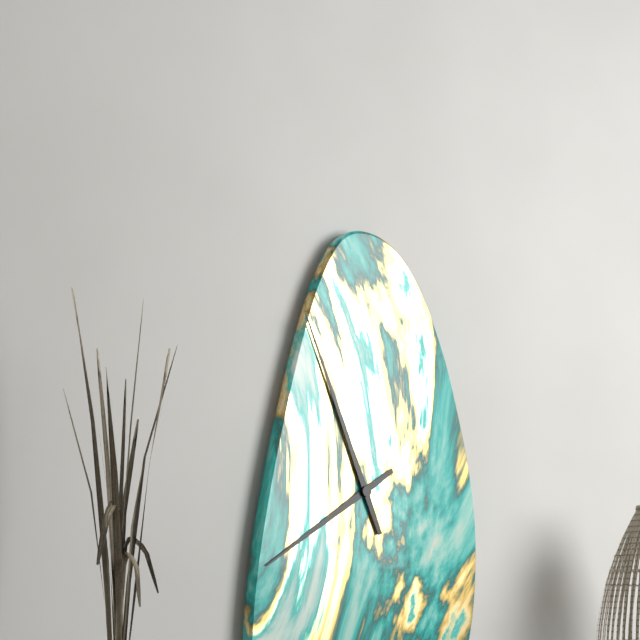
**7:56**
